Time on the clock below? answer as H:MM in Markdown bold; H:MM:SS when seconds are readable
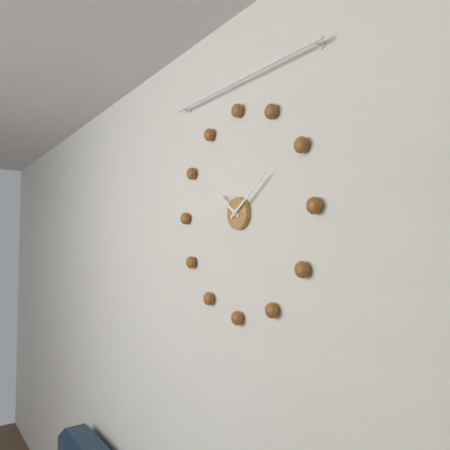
**10:09**
